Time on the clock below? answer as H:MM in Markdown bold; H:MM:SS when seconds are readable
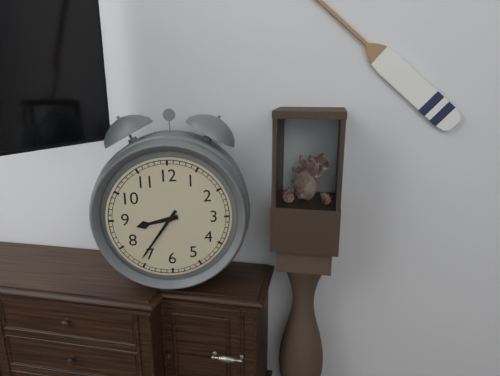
**8:36**
